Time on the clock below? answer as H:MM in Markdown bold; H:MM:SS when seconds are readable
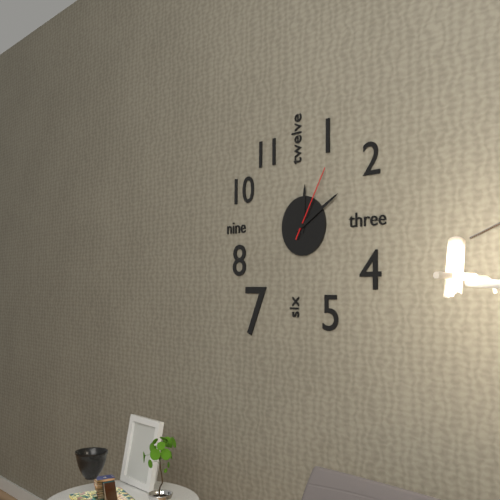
**12:10:05**
